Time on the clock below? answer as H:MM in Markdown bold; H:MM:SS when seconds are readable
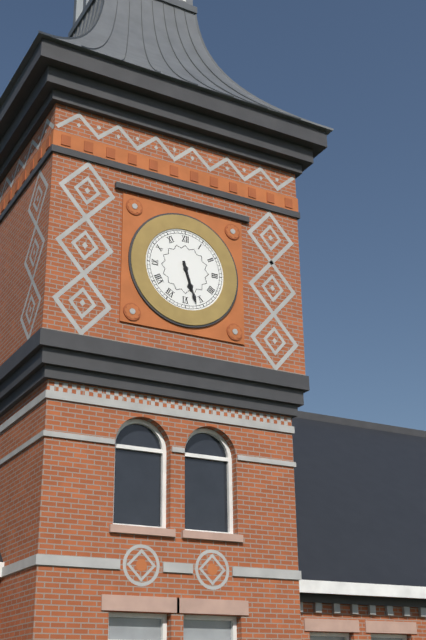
**5:27**
